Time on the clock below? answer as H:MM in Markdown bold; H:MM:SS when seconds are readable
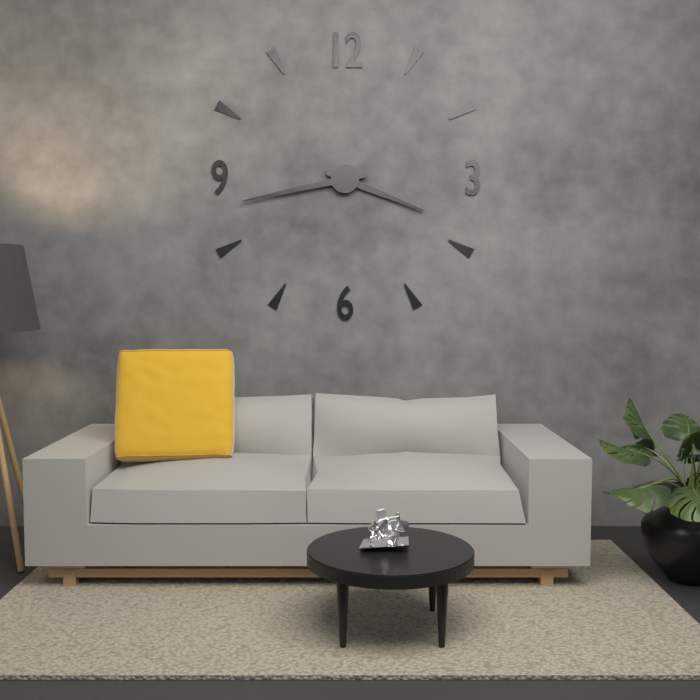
**3:43**
